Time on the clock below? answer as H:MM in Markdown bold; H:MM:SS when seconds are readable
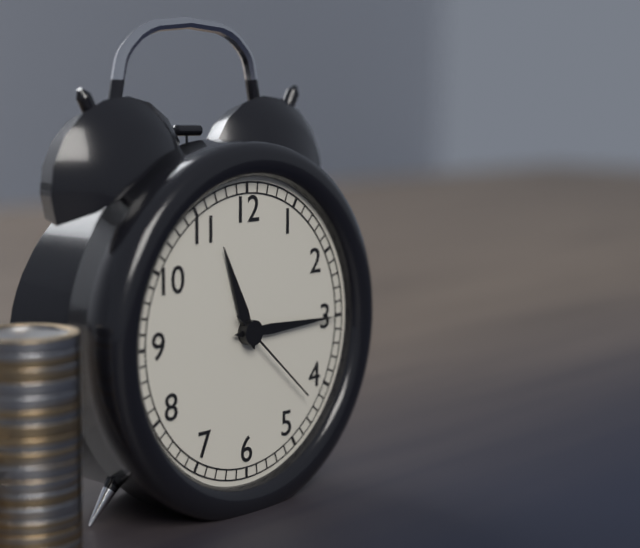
**11:15:22**
